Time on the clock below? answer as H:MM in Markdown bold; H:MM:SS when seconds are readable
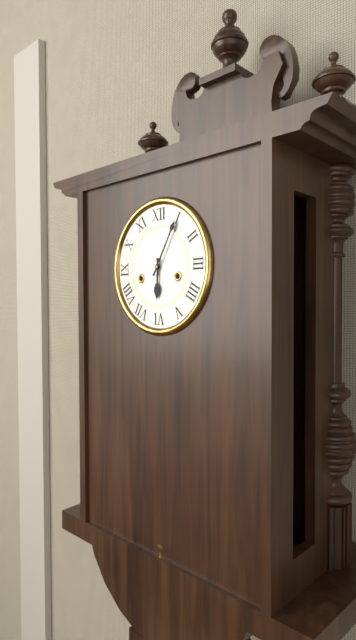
**6:05**
